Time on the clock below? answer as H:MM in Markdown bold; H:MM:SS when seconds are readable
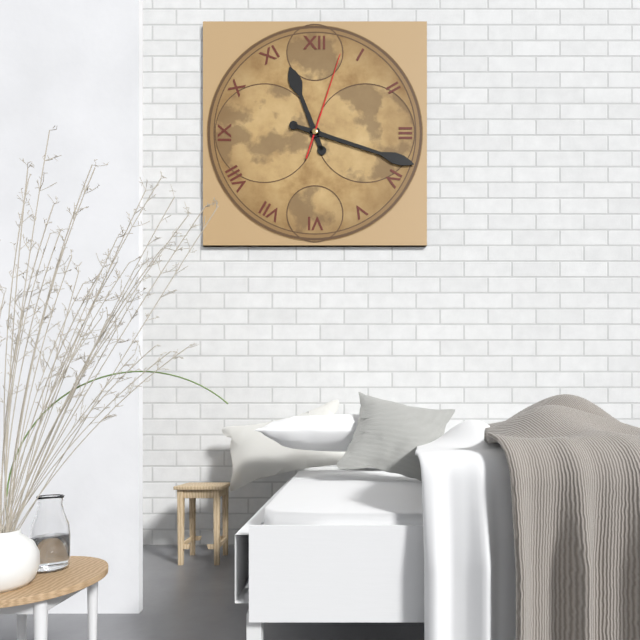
**11:18:03**
